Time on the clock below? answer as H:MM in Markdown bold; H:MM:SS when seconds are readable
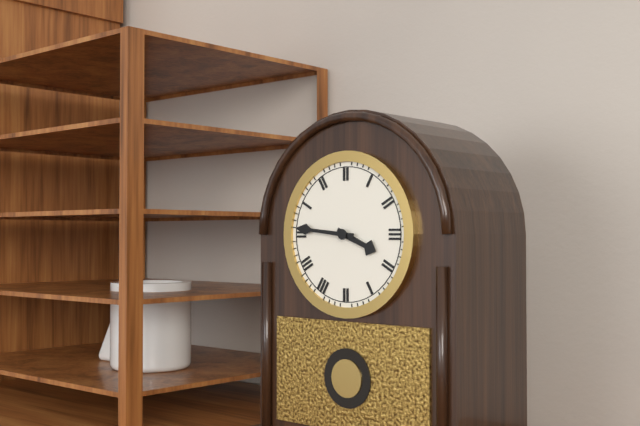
**3:46**
